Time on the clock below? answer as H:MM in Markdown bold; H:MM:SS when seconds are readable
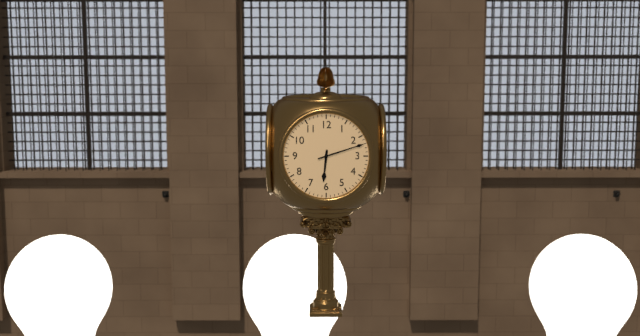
**6:12**
